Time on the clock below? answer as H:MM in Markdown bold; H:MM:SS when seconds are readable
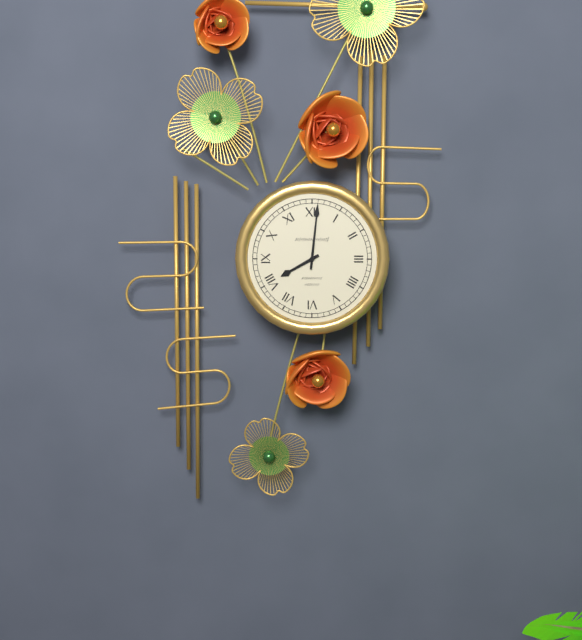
**8:01**
